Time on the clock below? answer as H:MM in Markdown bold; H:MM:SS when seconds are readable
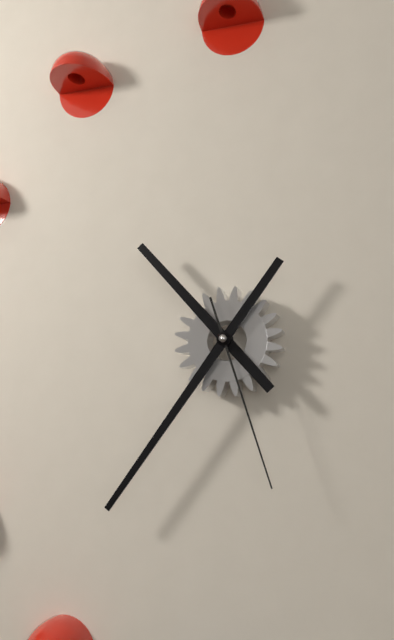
**10:36:27**
